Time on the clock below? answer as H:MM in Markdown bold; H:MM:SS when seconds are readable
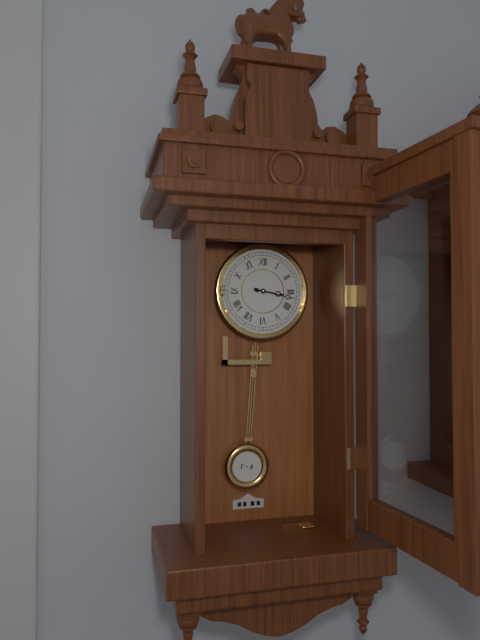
**3:17**
